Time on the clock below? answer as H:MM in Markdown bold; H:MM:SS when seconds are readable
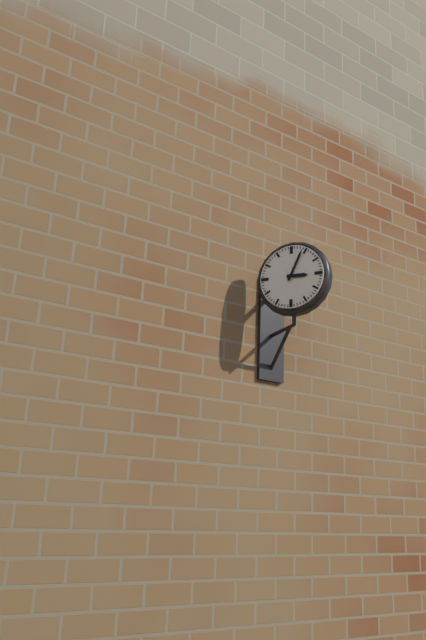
**3:04**
